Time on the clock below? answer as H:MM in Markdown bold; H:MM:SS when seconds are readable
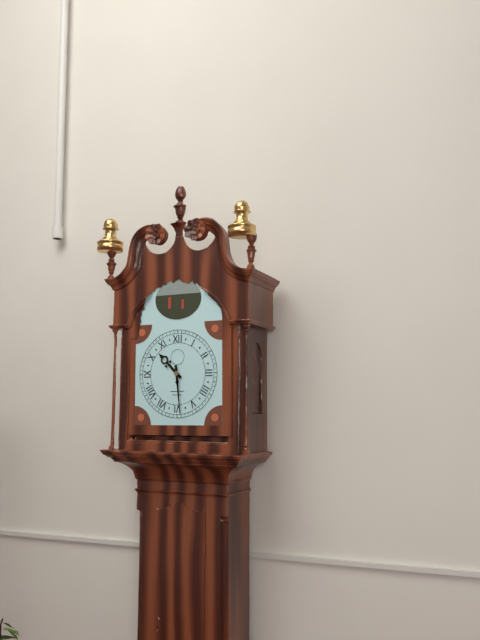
**10:29**
